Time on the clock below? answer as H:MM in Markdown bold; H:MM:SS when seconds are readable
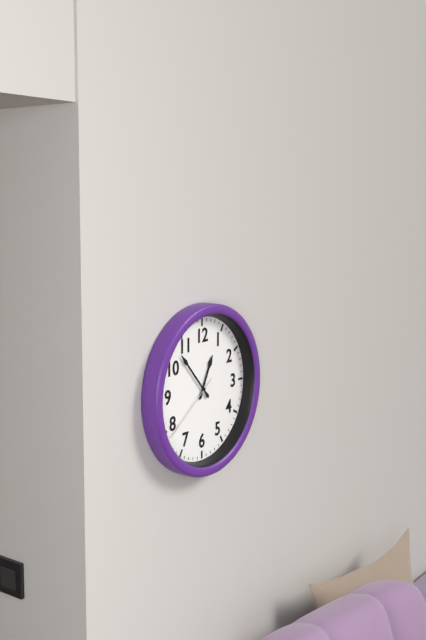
**12:53:39**
